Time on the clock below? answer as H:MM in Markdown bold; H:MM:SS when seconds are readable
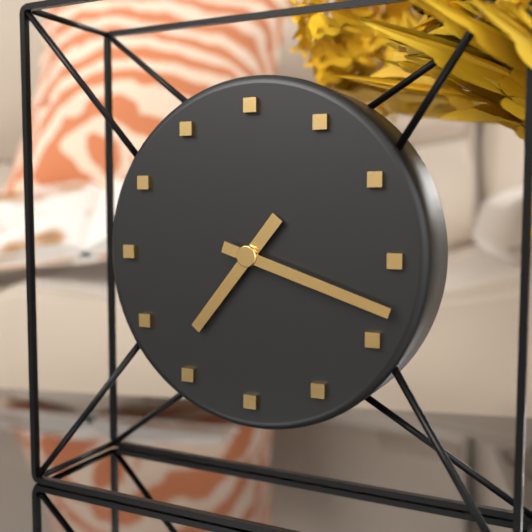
**7:18**
